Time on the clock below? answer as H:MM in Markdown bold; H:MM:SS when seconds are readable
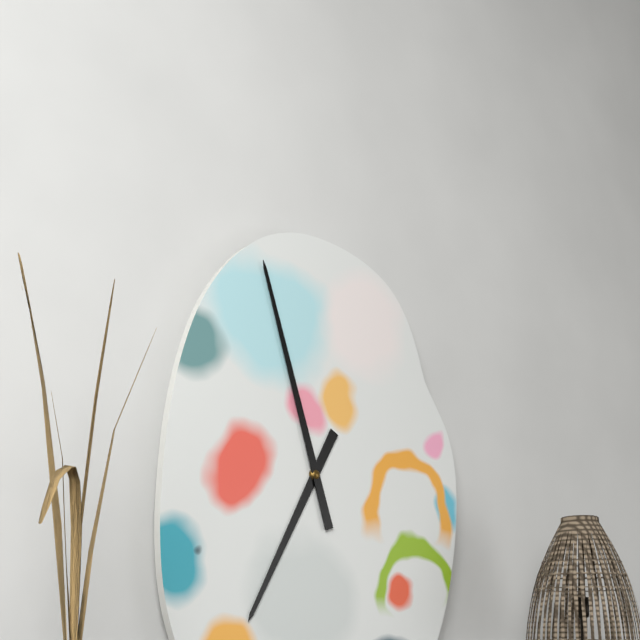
**6:57**
